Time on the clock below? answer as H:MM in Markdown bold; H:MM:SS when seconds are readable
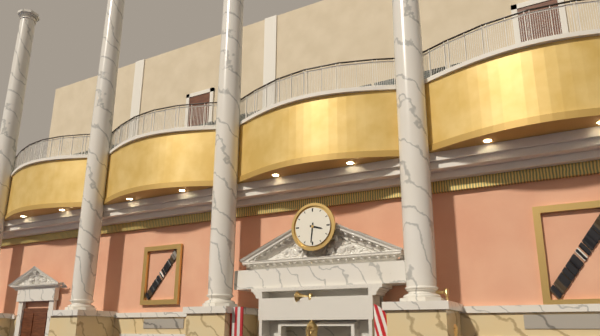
**3:31**
